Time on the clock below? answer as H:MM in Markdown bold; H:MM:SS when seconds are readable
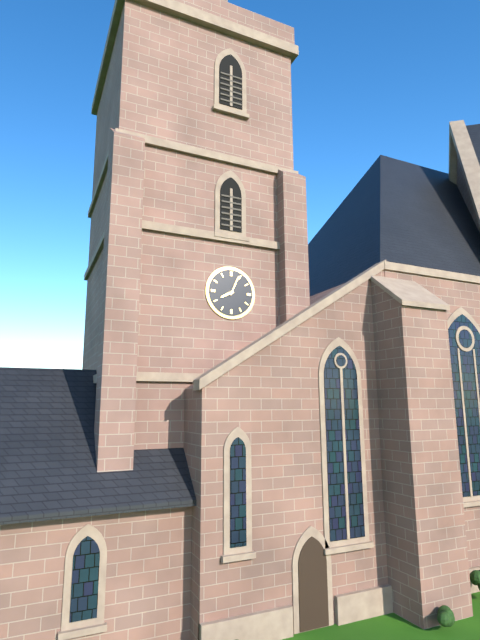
**8:04**
